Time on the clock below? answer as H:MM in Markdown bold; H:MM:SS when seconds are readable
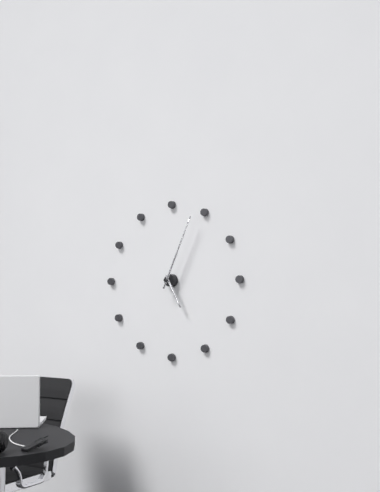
**5:04**
